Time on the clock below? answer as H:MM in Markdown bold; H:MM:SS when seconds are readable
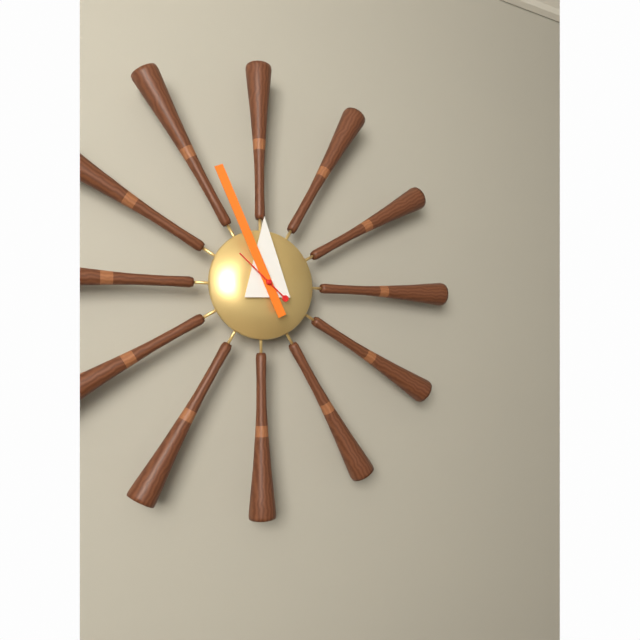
**11:56**
